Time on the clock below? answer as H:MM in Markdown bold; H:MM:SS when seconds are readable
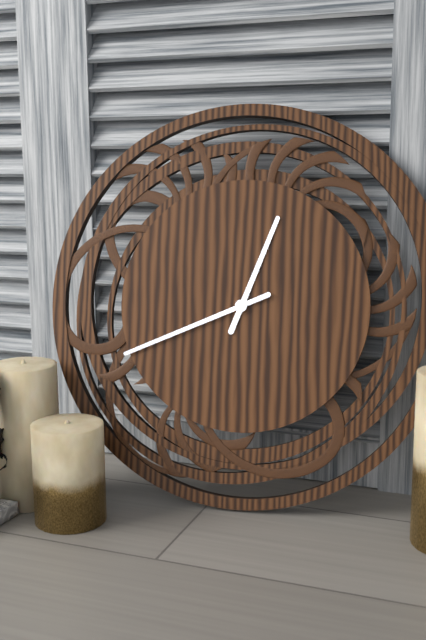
**12:41**
